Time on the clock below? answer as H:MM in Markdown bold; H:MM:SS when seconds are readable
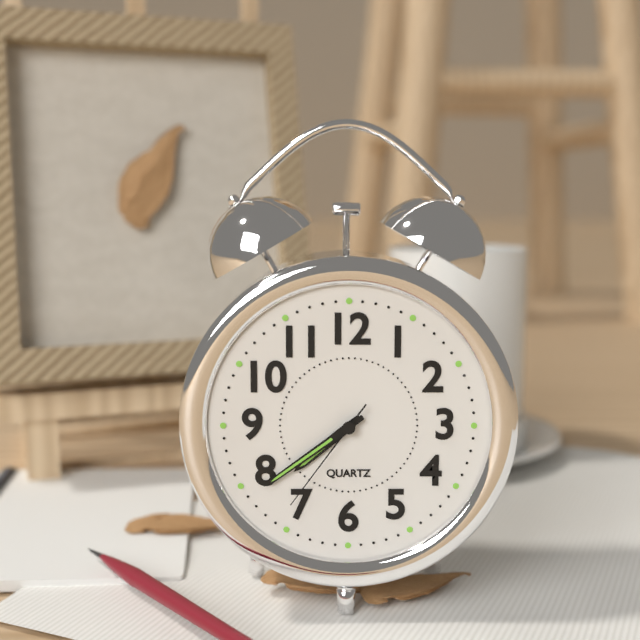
**7:39:36**
